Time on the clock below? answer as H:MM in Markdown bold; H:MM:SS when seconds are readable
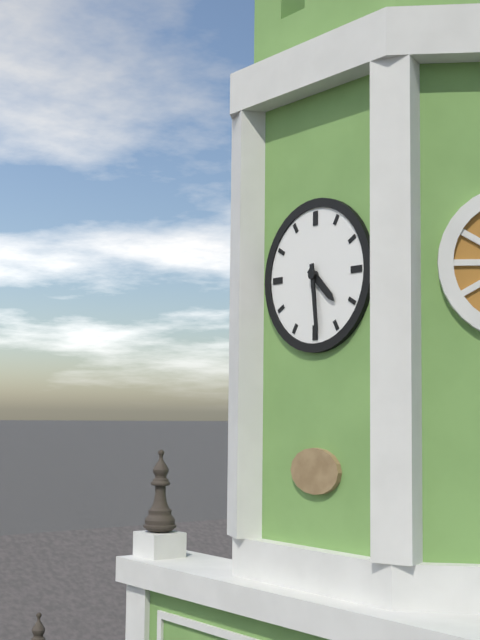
**4:29**
